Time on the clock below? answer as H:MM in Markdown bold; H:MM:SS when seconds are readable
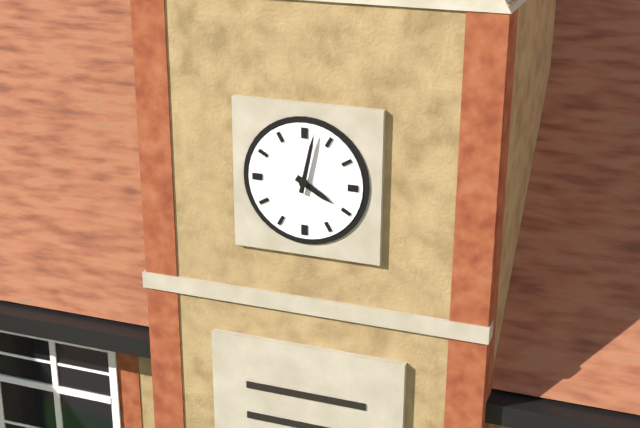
**4:02**
